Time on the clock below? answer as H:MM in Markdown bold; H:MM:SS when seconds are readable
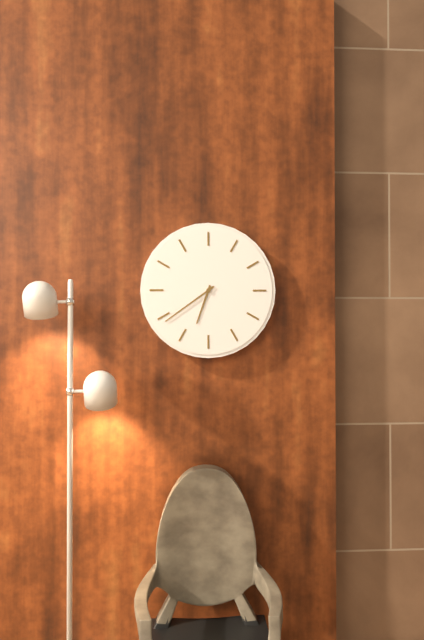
**6:39**
